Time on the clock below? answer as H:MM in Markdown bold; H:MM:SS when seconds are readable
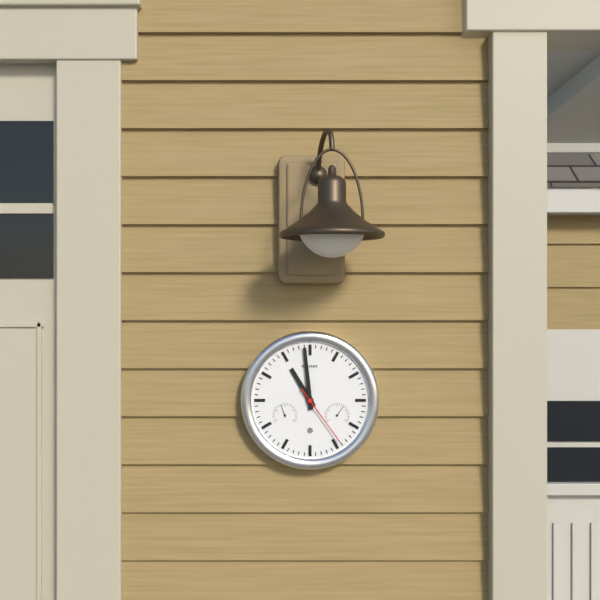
**10:59:24**
